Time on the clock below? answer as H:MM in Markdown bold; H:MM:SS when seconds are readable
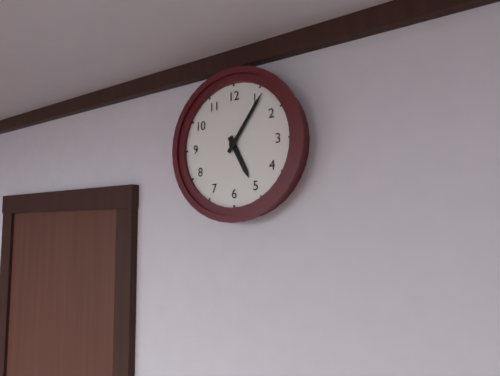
**5:06**
